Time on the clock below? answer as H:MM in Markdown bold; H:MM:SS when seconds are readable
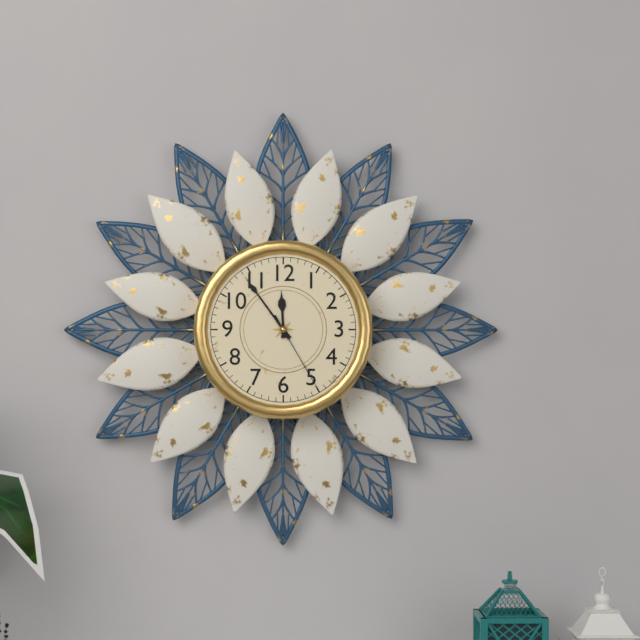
**11:54:25**
